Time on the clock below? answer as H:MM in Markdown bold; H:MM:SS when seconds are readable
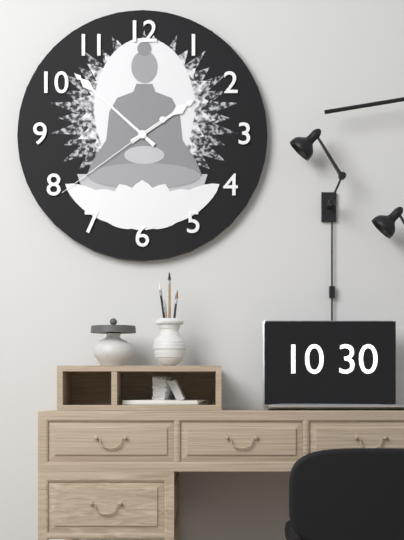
**1:52:39**
